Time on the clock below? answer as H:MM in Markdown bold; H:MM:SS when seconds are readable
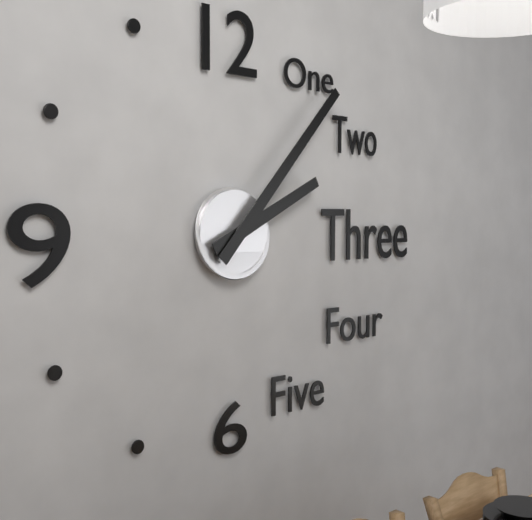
**2:07**
